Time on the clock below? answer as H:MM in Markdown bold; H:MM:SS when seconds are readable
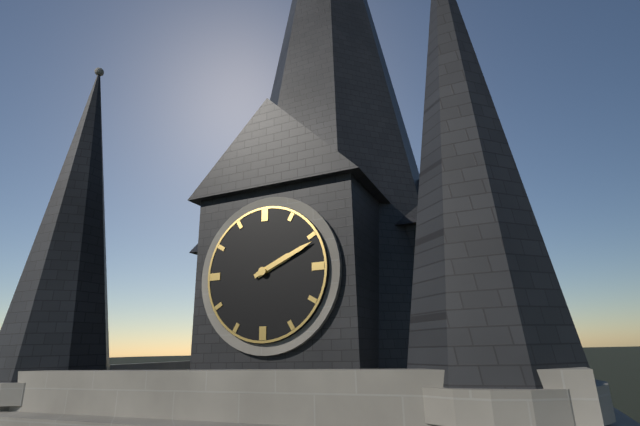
**2:11**
